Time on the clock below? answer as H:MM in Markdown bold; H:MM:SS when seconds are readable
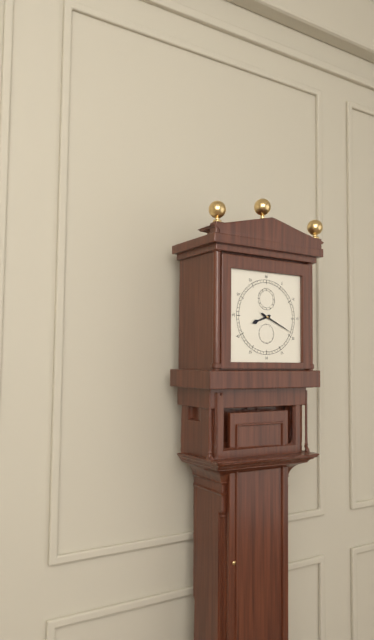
**8:19**
